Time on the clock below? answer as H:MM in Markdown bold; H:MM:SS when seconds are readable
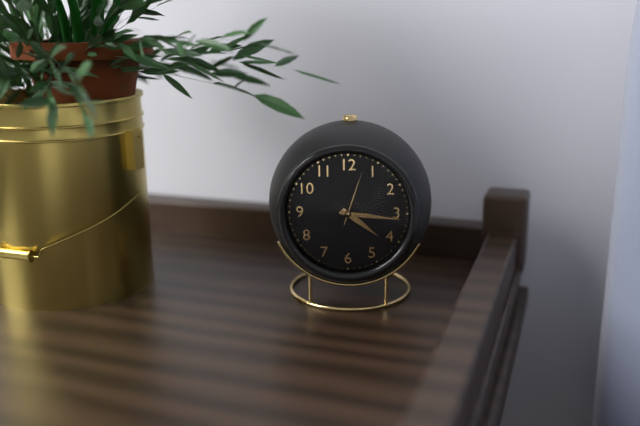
**4:16:03**
